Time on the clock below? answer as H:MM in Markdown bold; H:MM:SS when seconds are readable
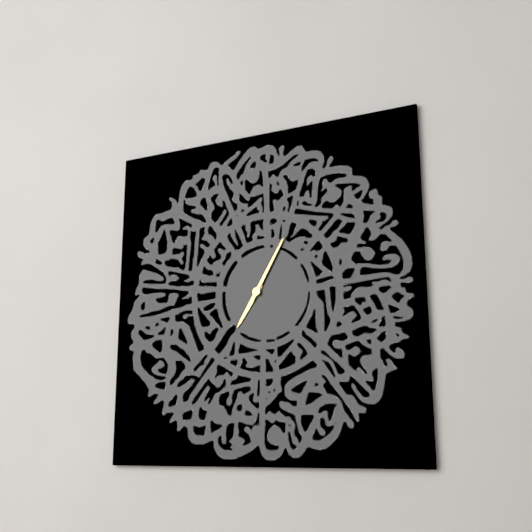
**7:05**
